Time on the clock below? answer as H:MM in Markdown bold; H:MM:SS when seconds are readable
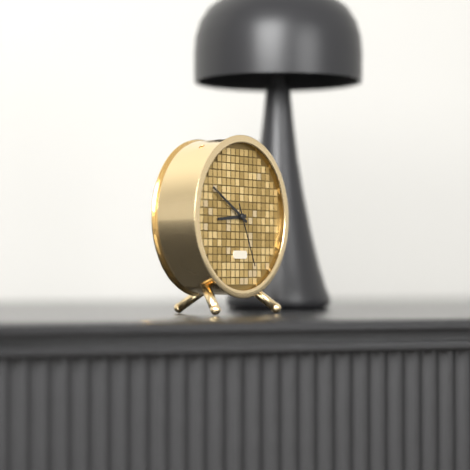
**8:50:26**
